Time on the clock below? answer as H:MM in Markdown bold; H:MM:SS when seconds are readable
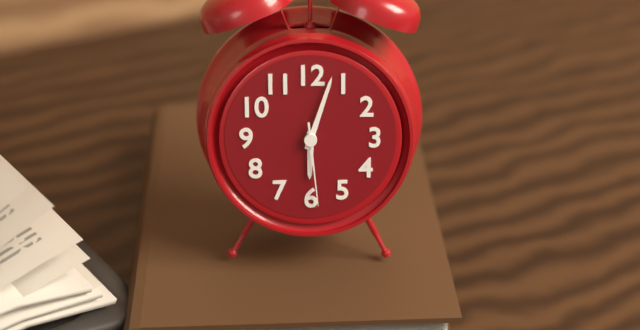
**6:03:29**
